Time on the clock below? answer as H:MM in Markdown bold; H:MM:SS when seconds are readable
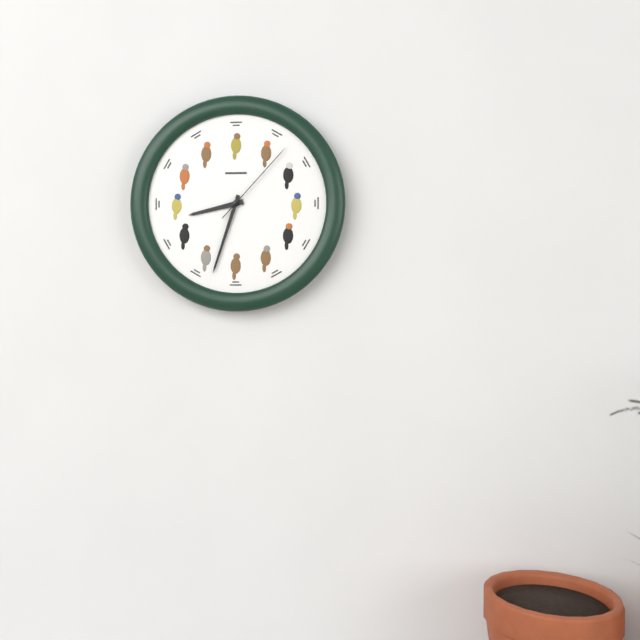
**8:33:07**
